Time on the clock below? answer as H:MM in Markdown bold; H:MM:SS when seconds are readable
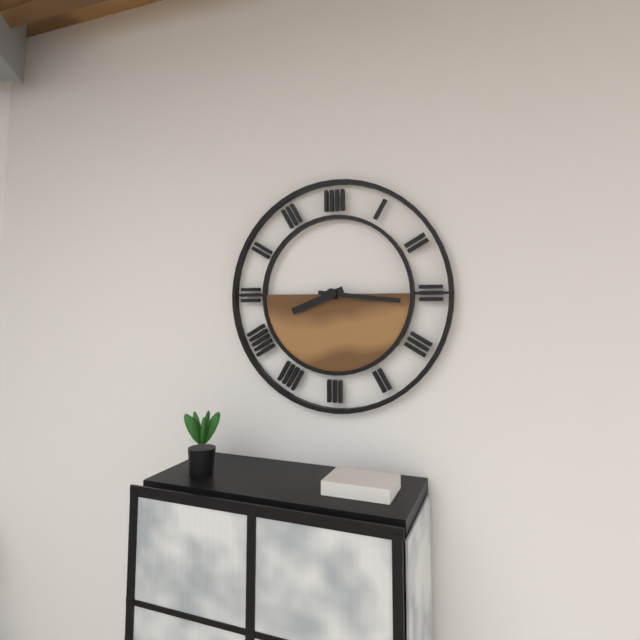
**8:16**
